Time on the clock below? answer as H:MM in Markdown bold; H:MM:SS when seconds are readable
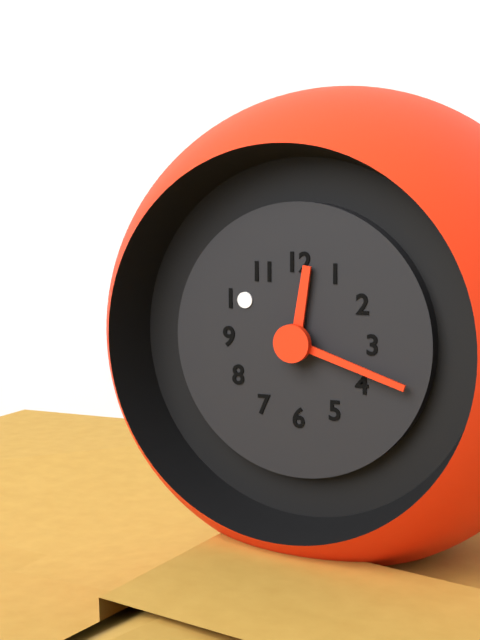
**12:18**
